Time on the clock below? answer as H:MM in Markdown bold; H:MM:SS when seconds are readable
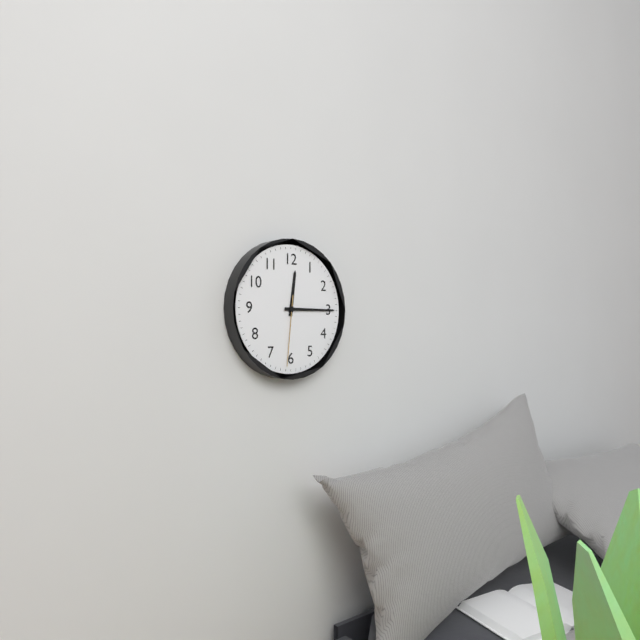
**12:15:31**
